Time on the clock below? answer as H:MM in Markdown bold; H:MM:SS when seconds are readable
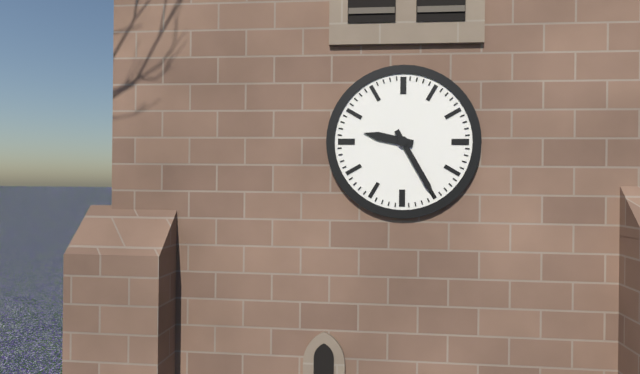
**9:25**
